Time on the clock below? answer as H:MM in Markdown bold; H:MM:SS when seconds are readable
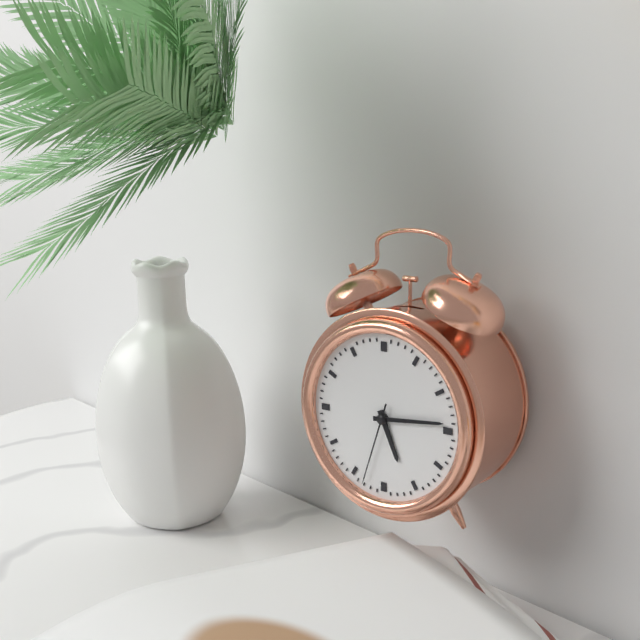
**5:14:33**
